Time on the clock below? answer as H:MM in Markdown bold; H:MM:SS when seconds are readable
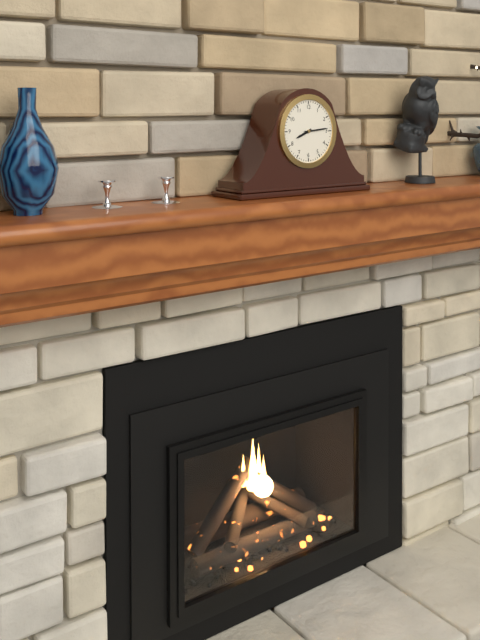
**8:14**
